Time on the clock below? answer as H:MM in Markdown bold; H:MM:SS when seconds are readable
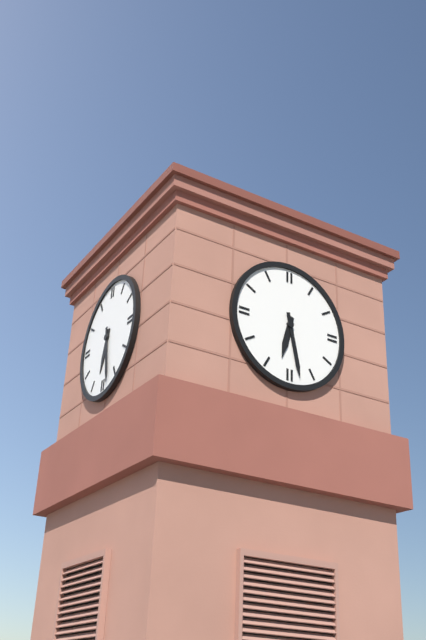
**6:28**
